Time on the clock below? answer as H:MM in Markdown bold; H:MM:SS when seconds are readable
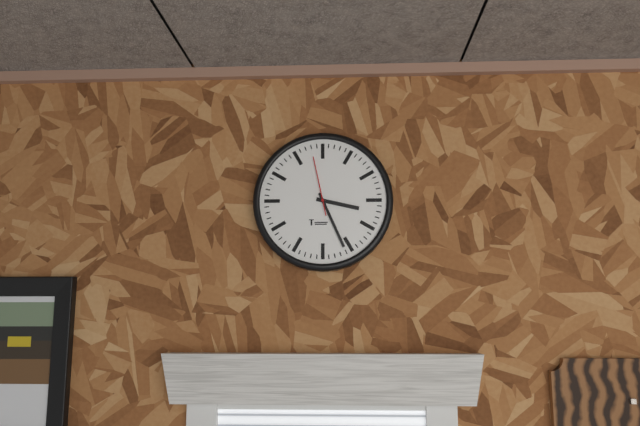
**3:26:58**
